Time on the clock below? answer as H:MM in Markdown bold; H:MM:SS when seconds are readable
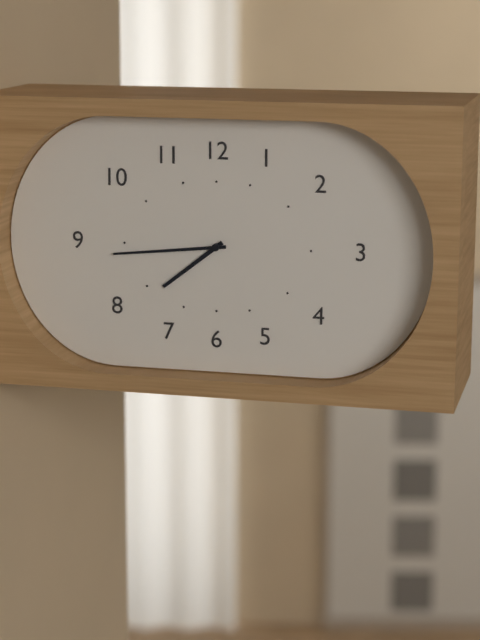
**7:44**
